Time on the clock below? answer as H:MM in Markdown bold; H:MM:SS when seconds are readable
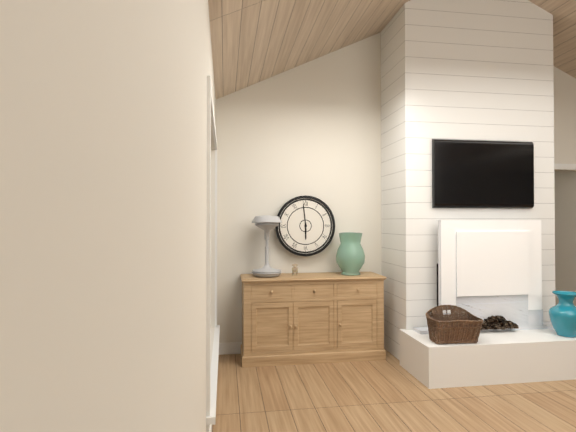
**5:59**
